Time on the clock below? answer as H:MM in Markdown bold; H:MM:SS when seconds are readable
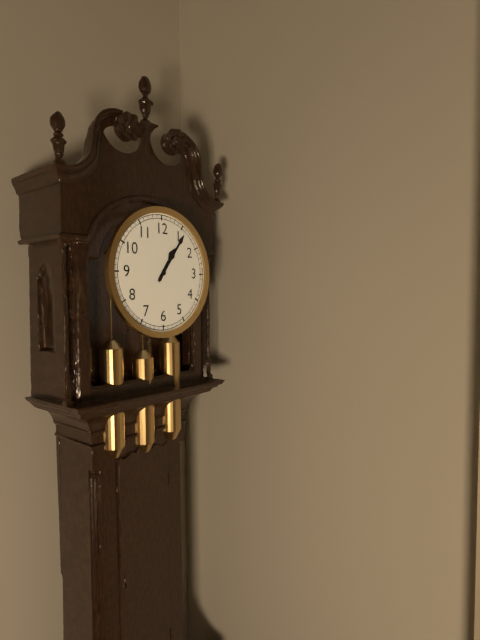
**1:06**
